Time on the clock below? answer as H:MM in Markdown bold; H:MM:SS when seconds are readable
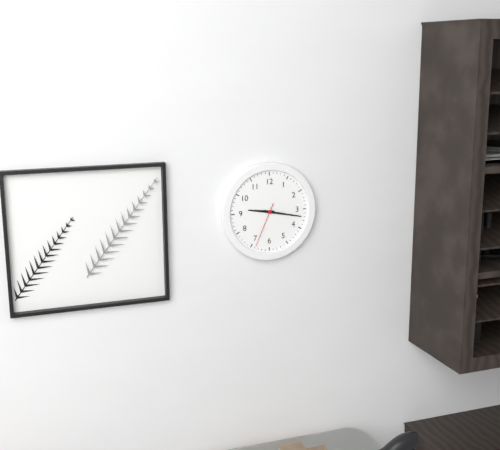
**9:17**
